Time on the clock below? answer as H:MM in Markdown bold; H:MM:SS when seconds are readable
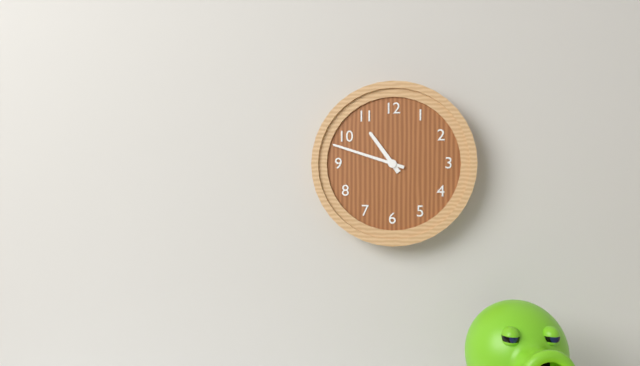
**10:48**
